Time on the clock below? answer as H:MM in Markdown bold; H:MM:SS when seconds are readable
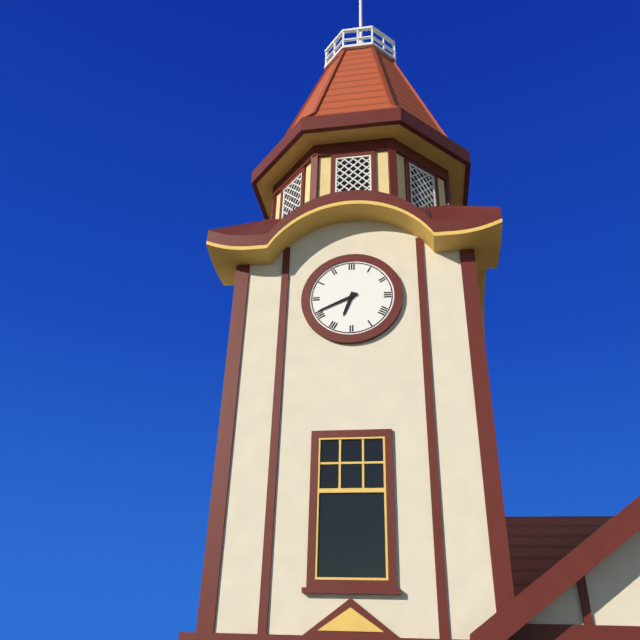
**6:41**
